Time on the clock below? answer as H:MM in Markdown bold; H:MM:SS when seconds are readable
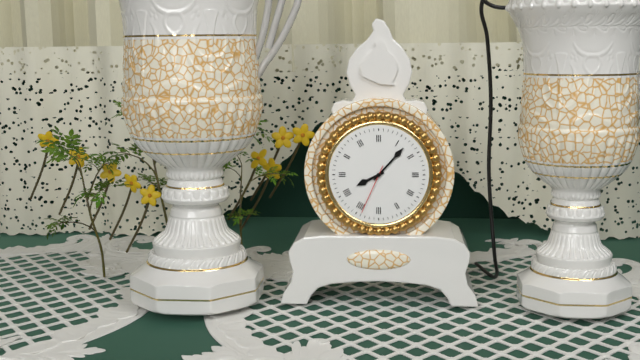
**8:07:34**
